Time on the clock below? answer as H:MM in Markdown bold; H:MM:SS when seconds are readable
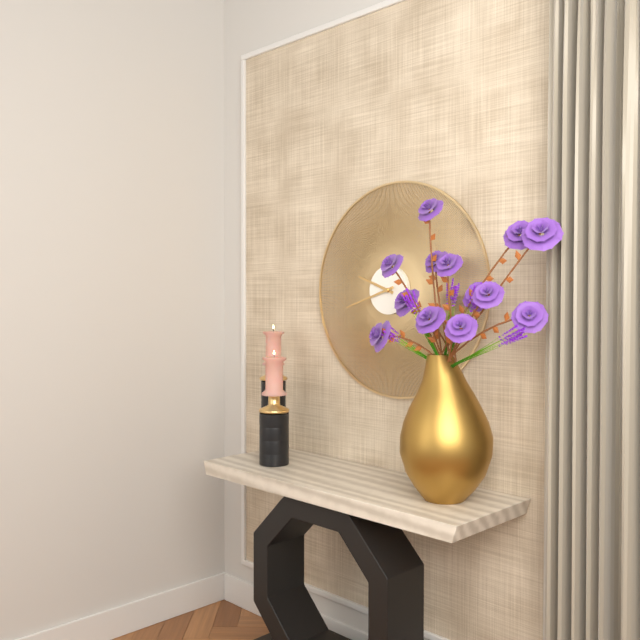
**9:42**
